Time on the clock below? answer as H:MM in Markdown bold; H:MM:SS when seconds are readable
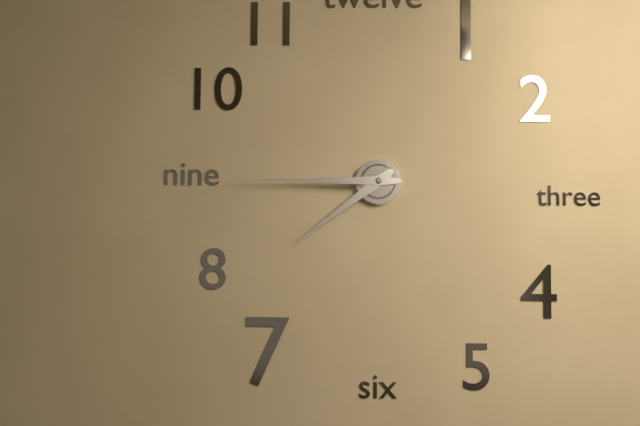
**7:45**
